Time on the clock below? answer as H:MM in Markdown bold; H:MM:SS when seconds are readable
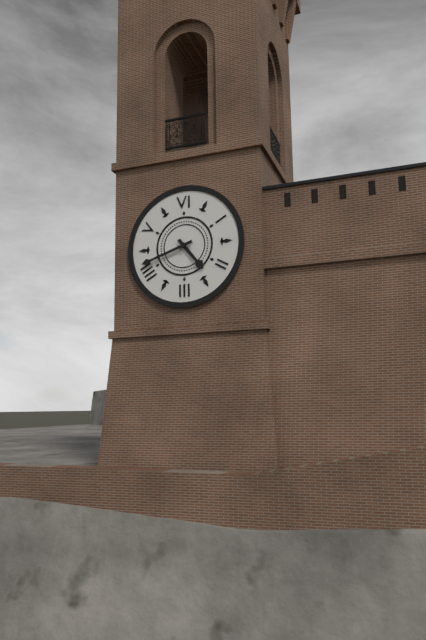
**4:42**
